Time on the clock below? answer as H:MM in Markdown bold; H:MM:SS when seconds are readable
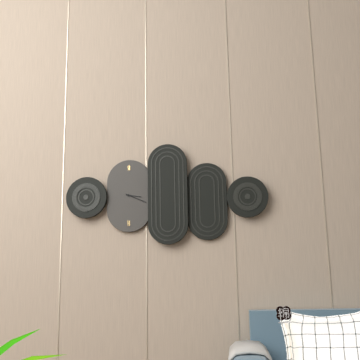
**3:19**
